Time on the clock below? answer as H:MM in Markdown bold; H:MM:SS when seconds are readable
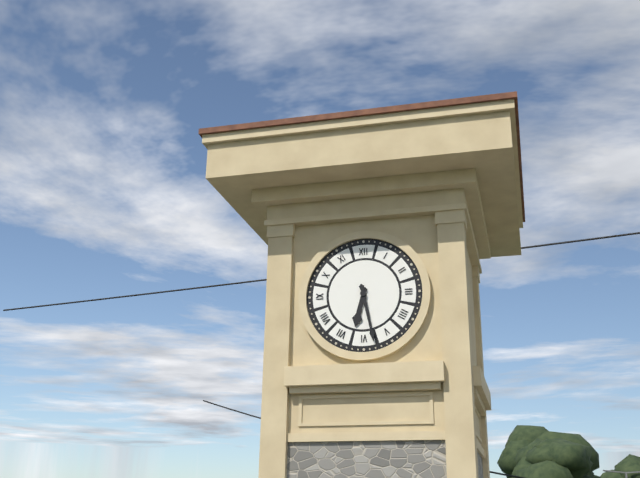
**6:28**
